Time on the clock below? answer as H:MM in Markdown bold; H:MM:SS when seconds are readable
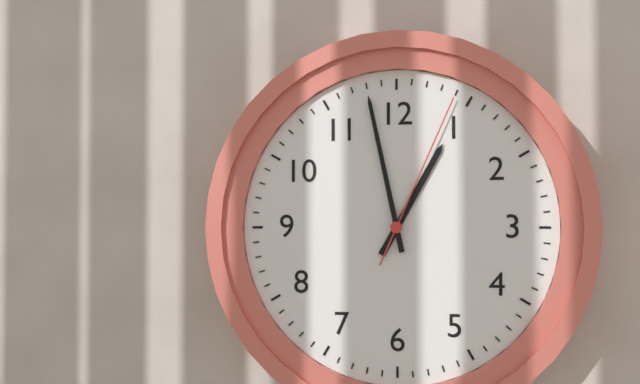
**12:58:04**
